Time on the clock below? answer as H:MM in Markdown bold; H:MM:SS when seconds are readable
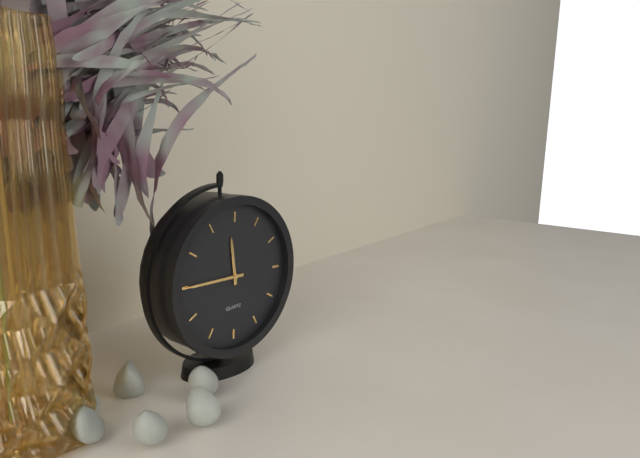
**11:45**
